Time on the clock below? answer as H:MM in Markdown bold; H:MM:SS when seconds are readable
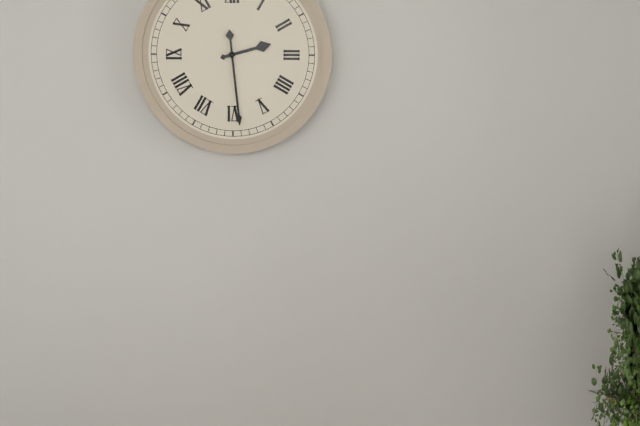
**2:29**
